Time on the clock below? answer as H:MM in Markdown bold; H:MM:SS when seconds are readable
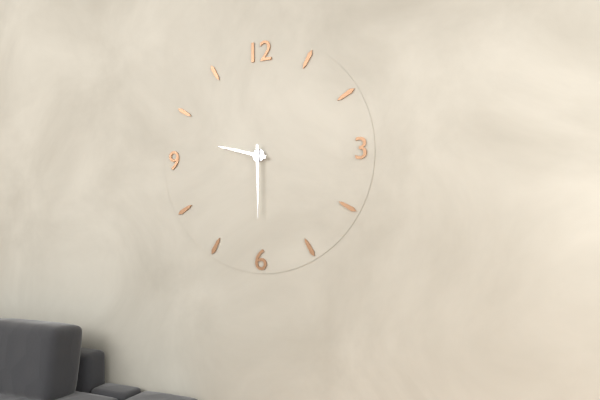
**9:30**
